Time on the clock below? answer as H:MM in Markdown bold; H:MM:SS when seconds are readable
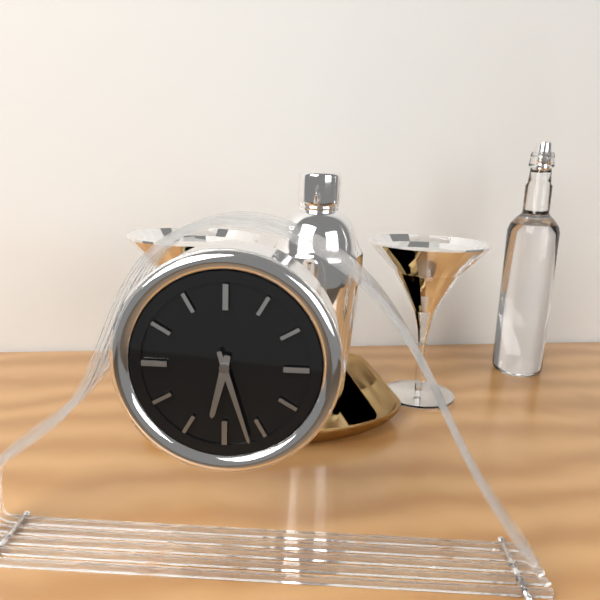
**6:27**
